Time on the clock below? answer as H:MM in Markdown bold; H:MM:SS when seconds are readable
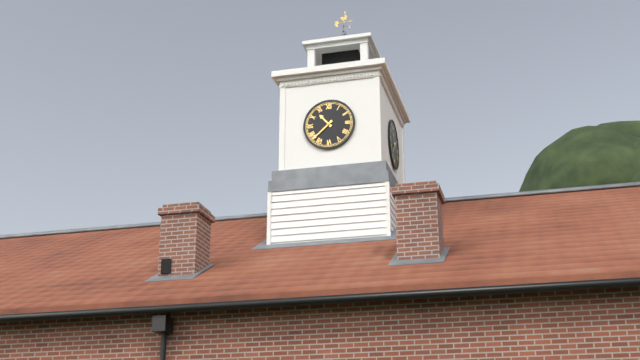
**10:38**
